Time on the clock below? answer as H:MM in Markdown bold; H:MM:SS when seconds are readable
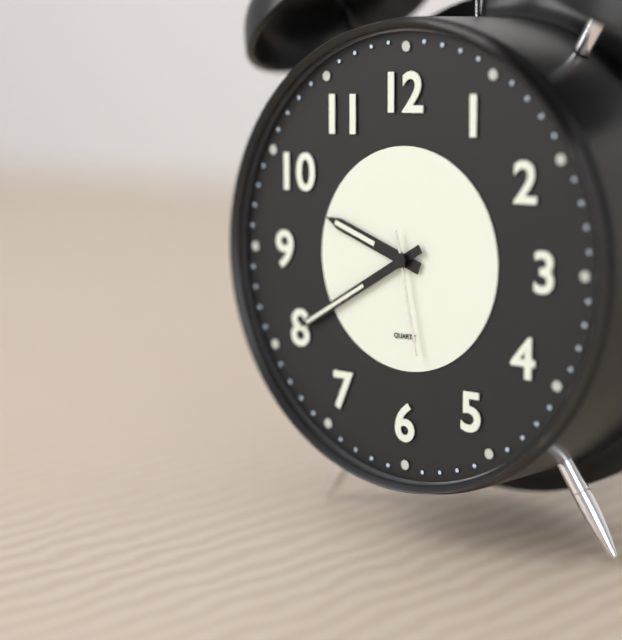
**9:40:28**
